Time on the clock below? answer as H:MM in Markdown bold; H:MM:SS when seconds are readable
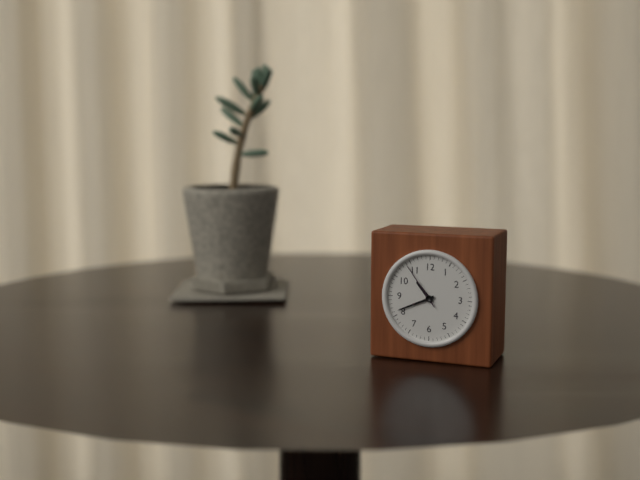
**10:41:54**
